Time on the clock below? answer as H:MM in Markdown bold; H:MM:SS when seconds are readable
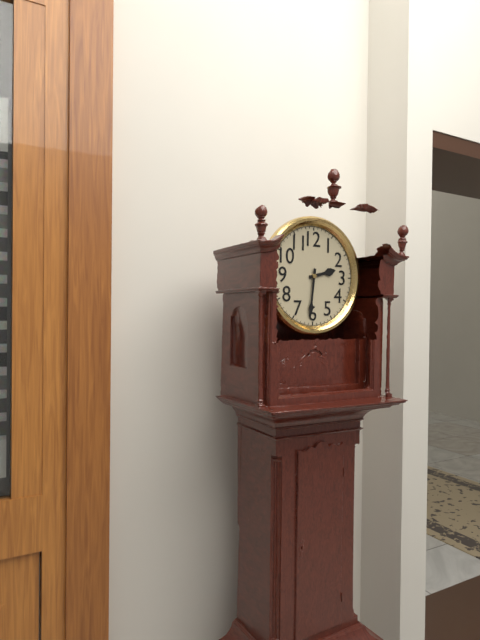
**2:31**
